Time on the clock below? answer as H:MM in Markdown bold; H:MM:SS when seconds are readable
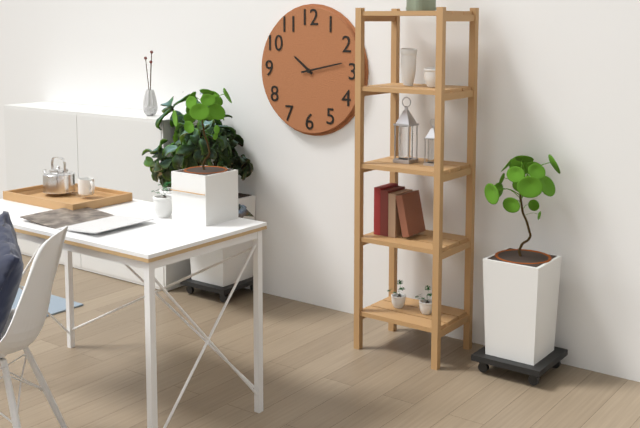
**10:13**
